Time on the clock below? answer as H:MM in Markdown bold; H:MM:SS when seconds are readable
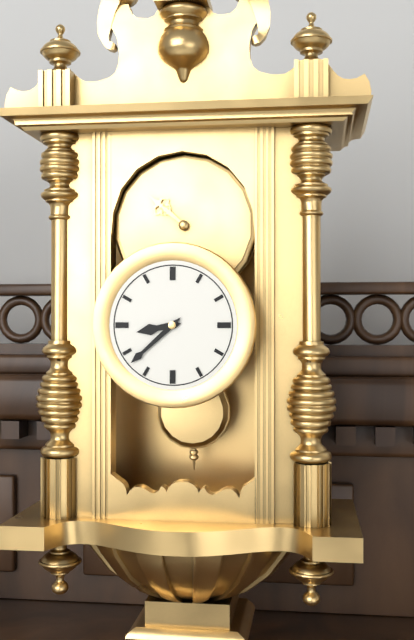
**8:38**
